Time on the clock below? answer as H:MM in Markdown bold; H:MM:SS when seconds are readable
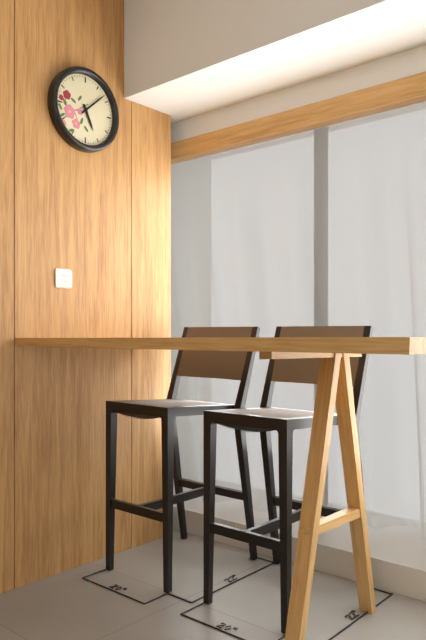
**5:08**
